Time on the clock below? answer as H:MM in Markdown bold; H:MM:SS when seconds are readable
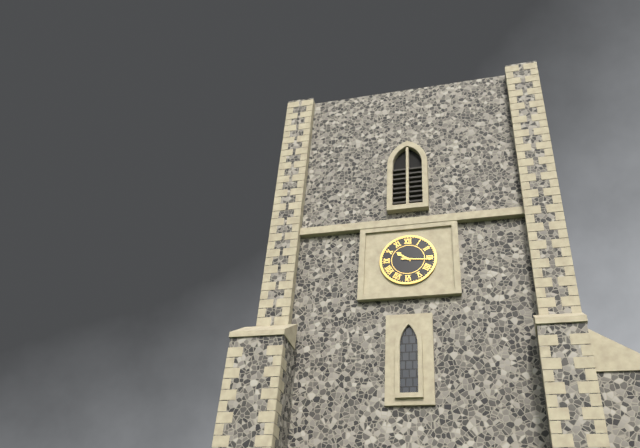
**10:16**
